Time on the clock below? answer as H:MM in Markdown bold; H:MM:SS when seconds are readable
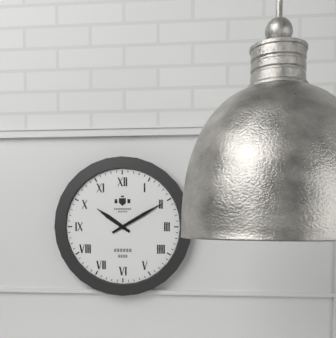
**10:10**
